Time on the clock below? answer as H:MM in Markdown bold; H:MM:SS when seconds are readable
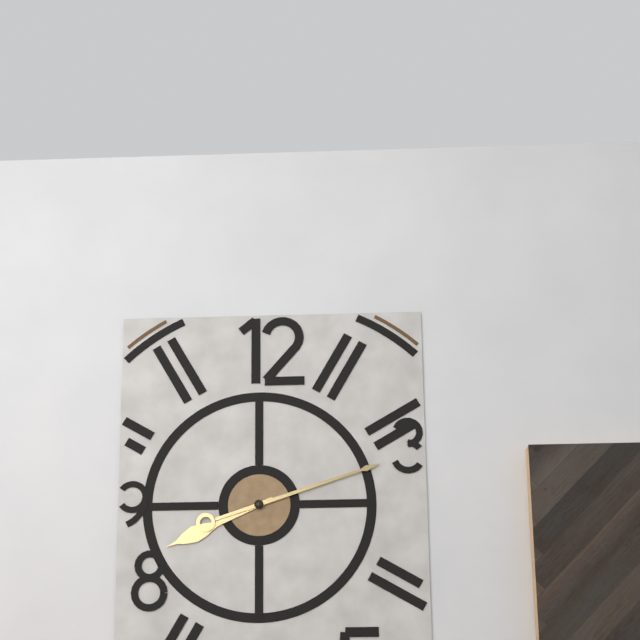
**8:12**
